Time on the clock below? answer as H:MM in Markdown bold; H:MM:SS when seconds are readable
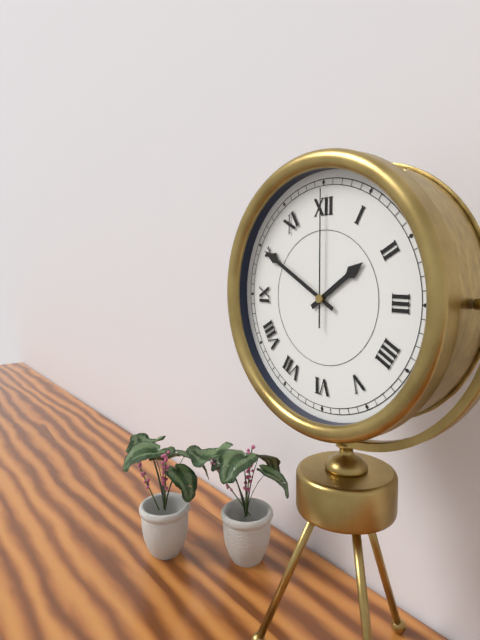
**1:50:00**
